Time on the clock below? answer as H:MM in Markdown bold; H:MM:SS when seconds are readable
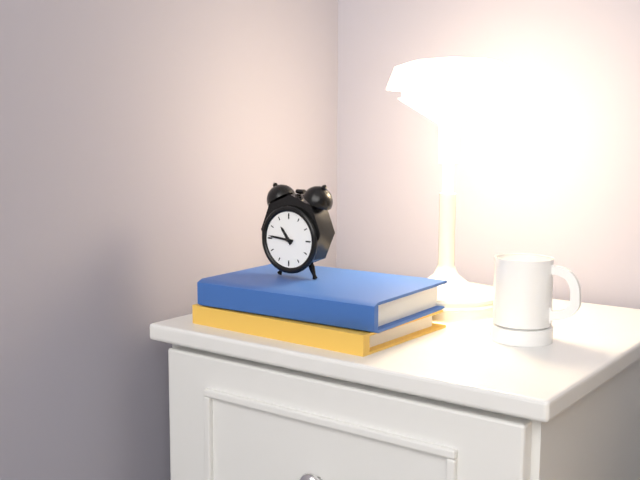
**10:46**
